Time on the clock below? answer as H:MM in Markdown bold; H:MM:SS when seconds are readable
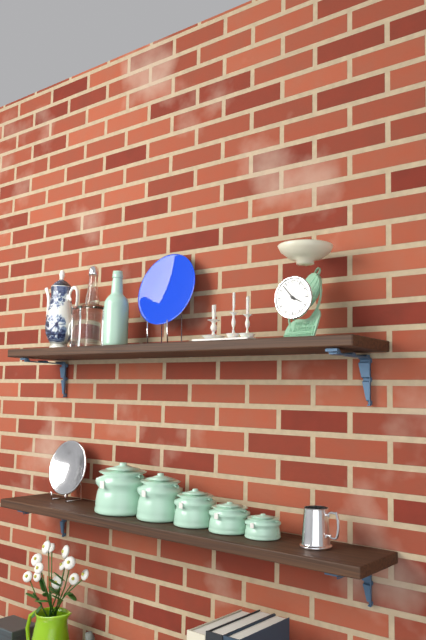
**3:53**
